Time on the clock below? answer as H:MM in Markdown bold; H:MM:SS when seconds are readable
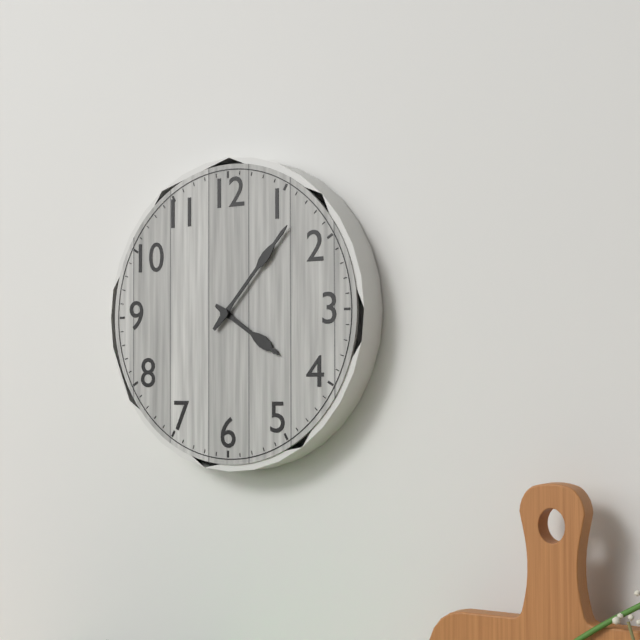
**4:07**
